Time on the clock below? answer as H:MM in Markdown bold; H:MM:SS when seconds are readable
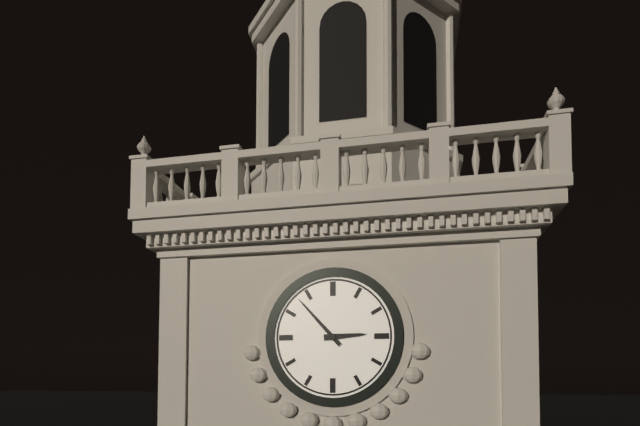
**2:53**
